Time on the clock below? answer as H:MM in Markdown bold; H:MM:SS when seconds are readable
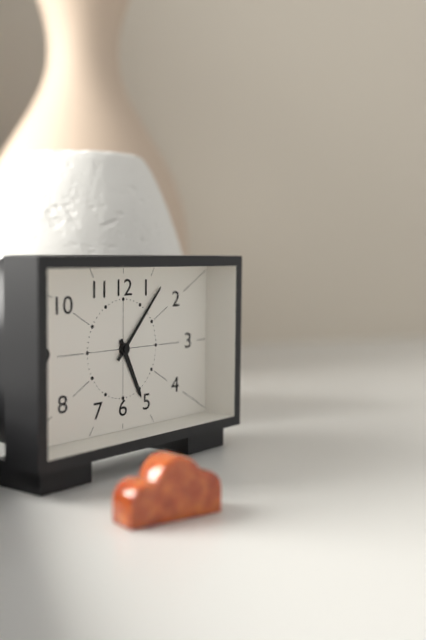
**5:07**
